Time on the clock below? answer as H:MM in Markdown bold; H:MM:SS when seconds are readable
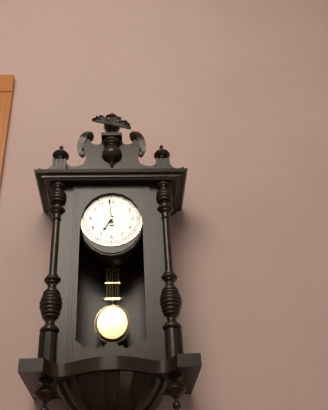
**6:59**
